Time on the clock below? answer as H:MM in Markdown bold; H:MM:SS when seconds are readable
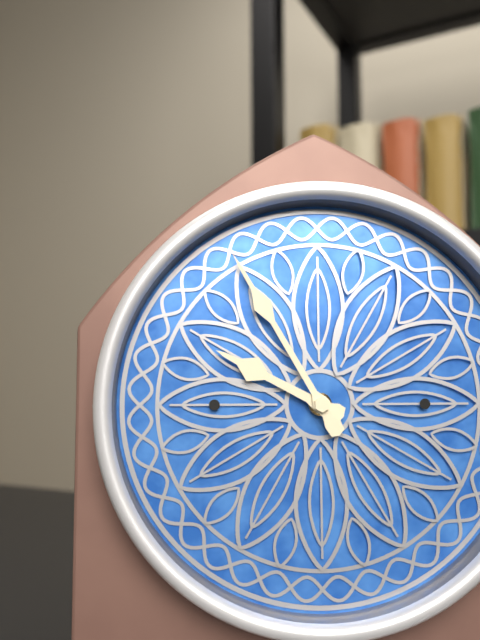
**9:55**
